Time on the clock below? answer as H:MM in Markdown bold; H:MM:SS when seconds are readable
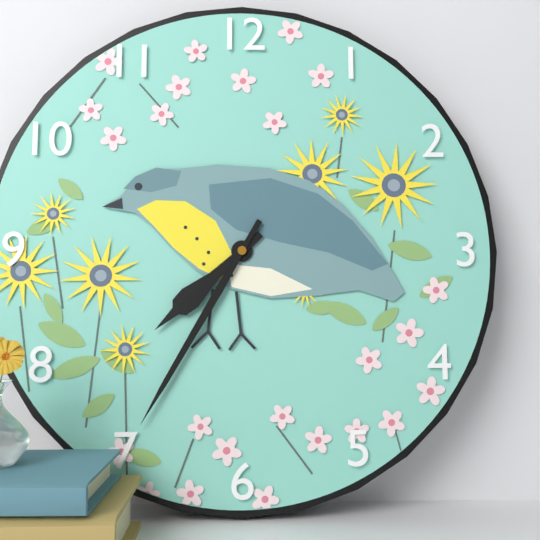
**7:35**
